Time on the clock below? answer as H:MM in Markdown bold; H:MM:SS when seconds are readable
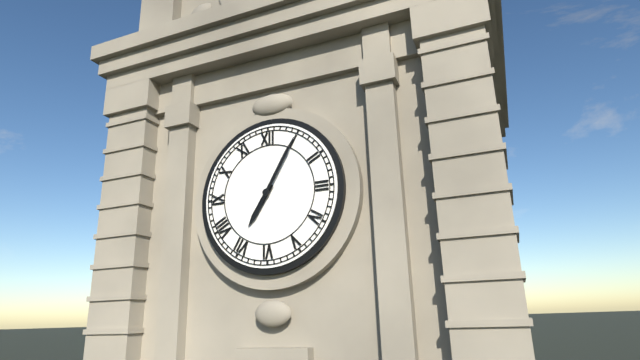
**7:05**
